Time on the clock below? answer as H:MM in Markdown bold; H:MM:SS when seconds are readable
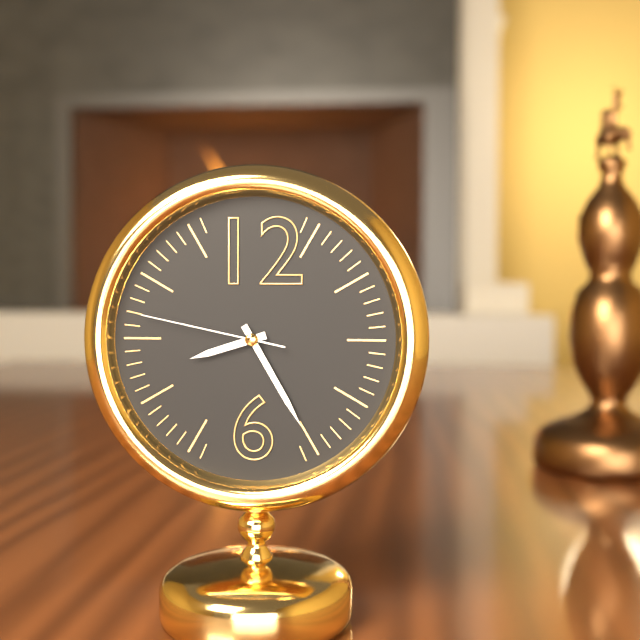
**8:25:47**
